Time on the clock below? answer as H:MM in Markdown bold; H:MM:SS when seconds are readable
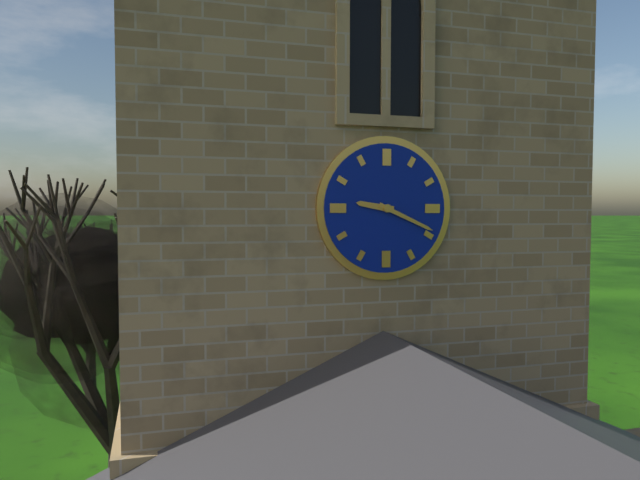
**9:19**
